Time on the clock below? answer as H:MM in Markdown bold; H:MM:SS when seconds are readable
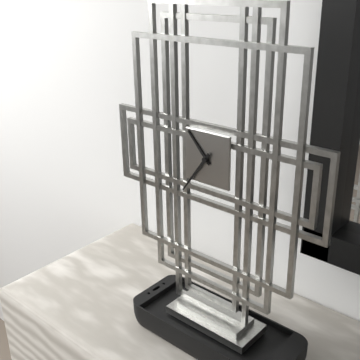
**10:36**
